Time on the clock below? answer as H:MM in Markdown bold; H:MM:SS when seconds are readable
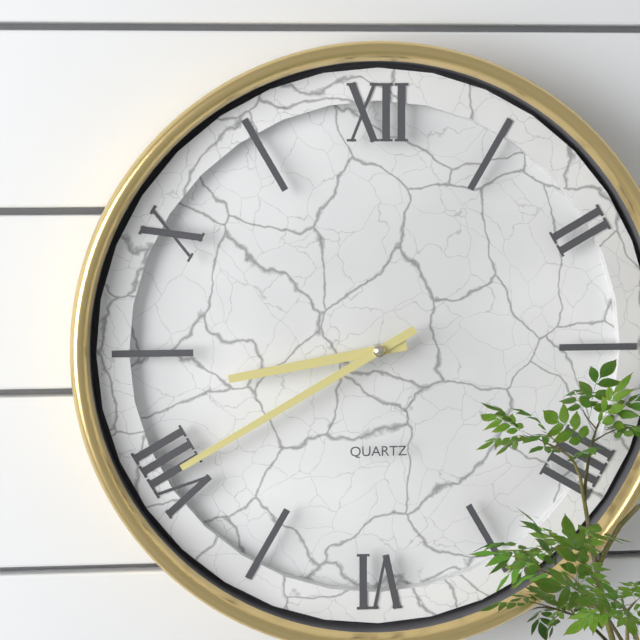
**8:40**
